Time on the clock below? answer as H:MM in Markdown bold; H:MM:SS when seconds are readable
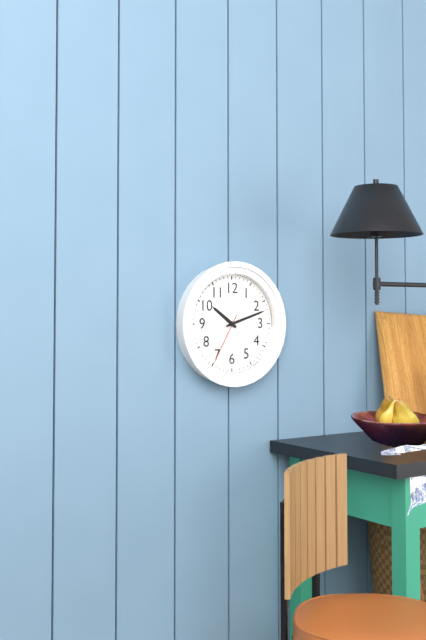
**10:12:35**
